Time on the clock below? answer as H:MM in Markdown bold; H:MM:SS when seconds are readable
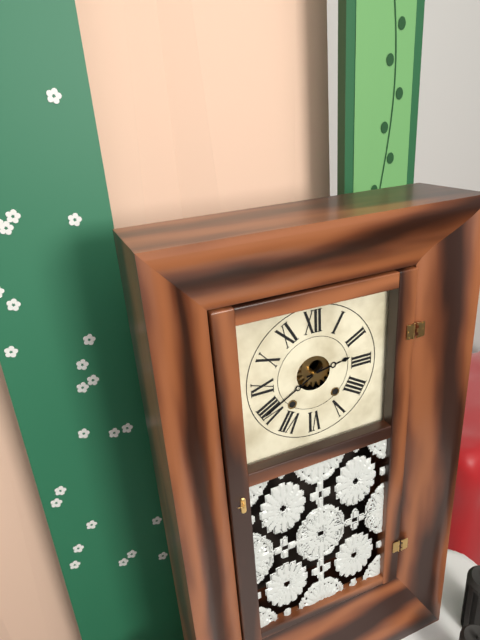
**2:40**
